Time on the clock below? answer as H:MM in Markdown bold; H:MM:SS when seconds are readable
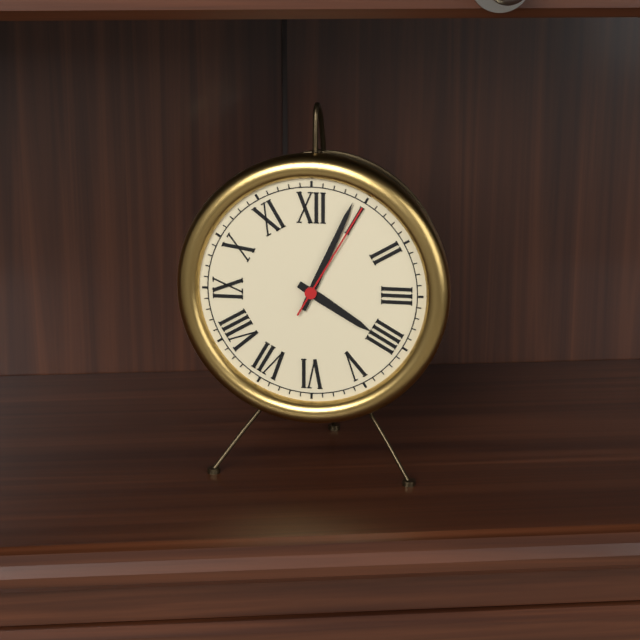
**4:04:05**
